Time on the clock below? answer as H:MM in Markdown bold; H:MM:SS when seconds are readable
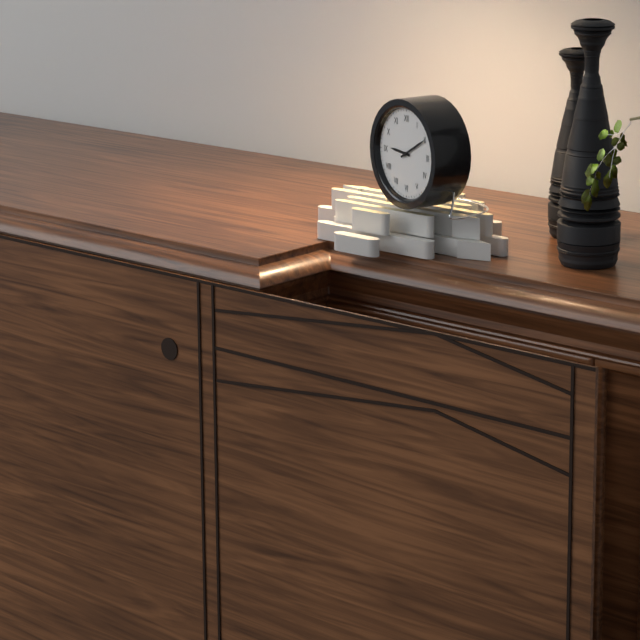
**9:10**
